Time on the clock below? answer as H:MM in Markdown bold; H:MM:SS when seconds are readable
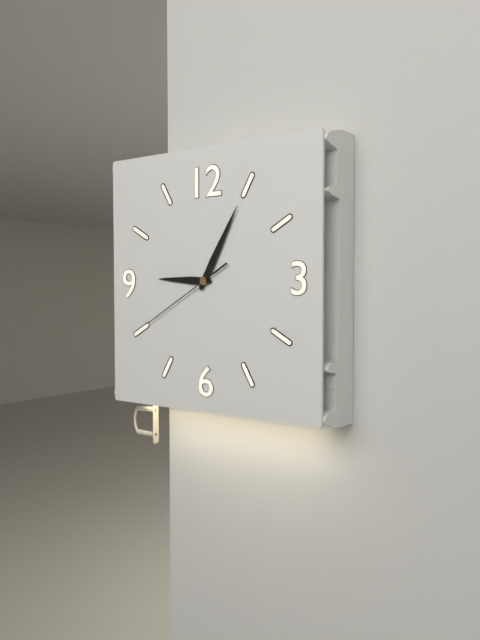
**9:05:40**
